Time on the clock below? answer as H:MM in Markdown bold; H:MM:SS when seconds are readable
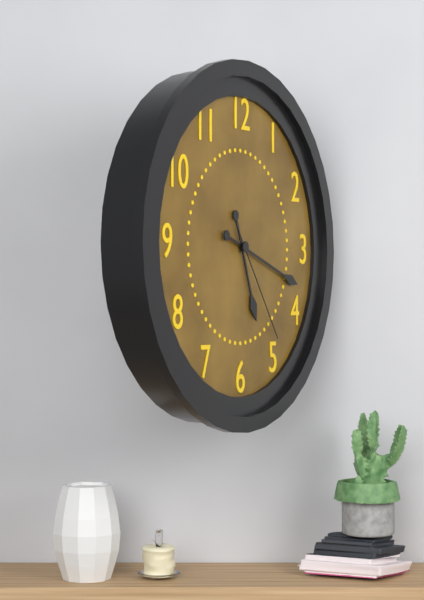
**5:18:24**
